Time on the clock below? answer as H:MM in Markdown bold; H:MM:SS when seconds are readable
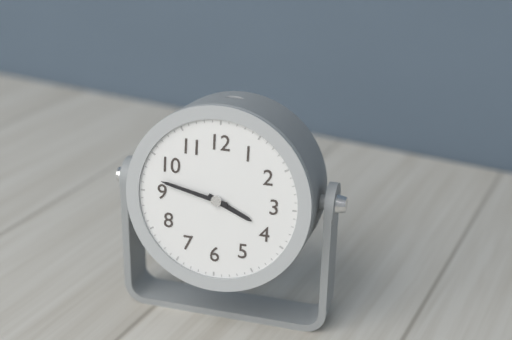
**3:47**
